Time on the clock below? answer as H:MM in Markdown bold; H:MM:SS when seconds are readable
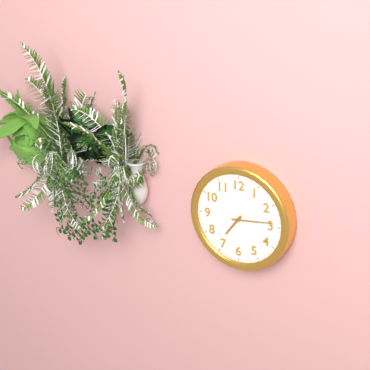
**7:14**
